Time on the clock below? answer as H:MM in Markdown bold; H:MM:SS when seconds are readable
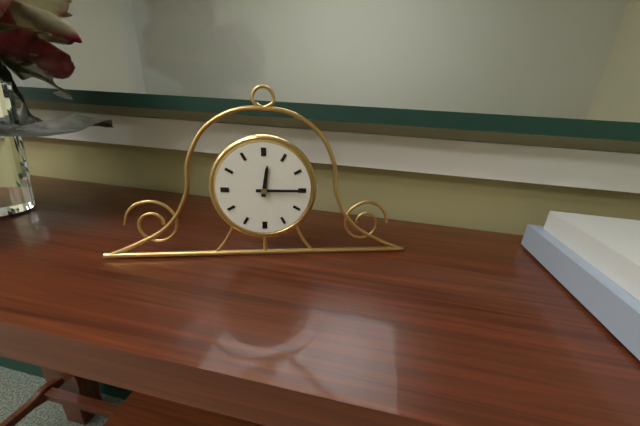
**12:15**
